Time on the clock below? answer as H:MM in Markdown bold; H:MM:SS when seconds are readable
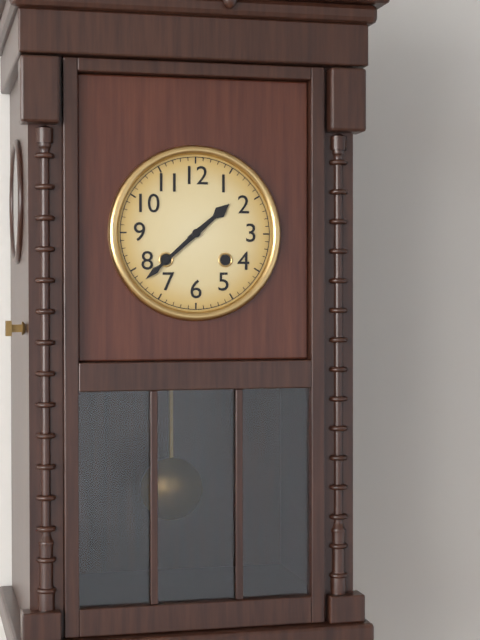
**1:38**
